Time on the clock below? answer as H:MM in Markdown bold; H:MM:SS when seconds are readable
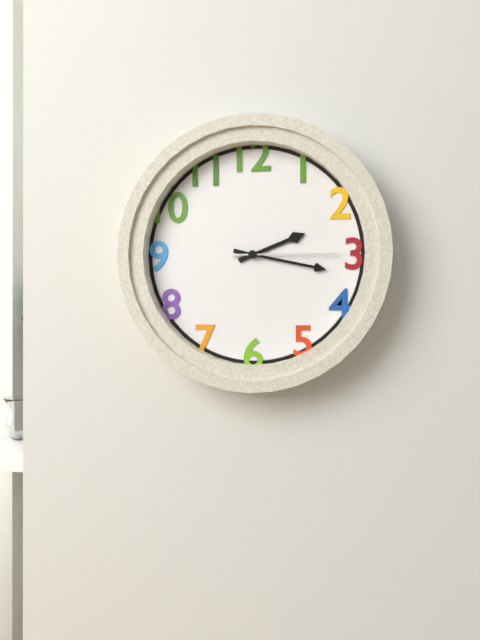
**2:17:15**
